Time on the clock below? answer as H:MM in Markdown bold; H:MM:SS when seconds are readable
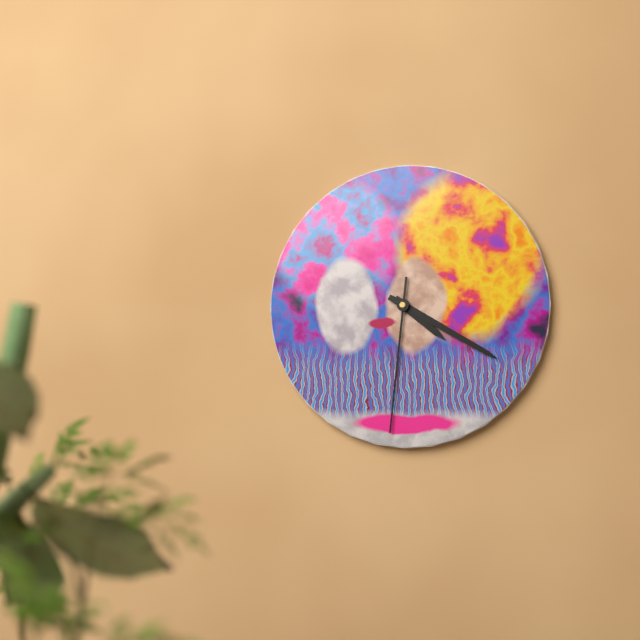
**4:20:31**
